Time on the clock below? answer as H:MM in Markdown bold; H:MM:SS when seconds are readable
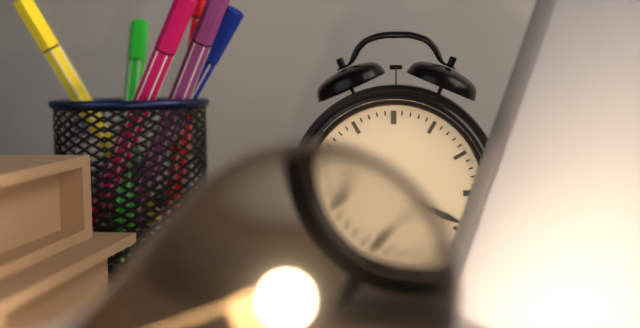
**5:19**
